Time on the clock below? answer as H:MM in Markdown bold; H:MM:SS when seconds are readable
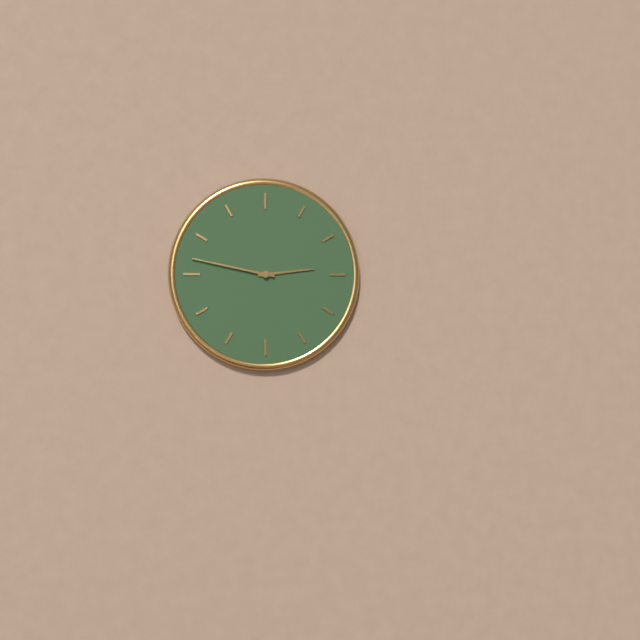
**2:47**
